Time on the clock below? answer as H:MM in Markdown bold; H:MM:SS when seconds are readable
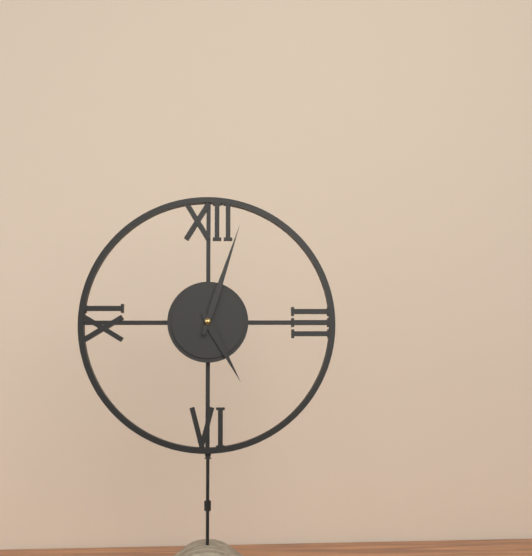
**5:03**
